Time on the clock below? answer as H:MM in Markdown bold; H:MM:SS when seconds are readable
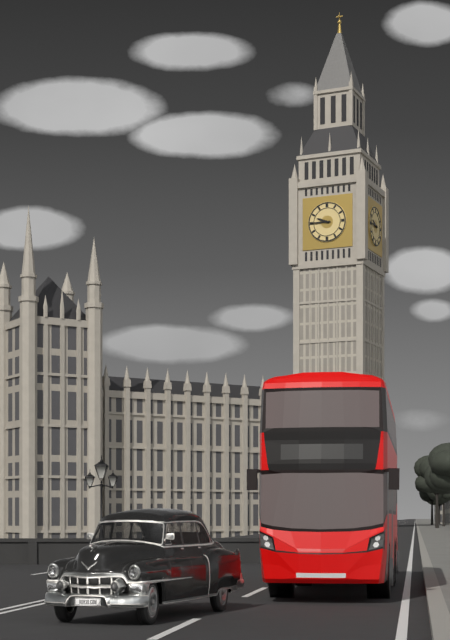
**9:45**
